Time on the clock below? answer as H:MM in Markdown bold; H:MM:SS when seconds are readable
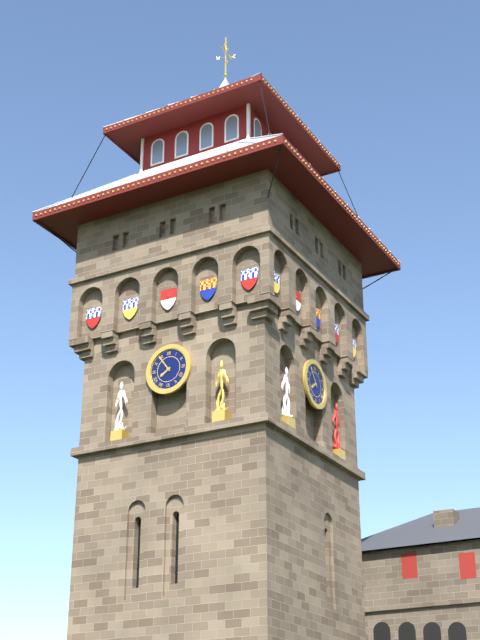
**7:54**
